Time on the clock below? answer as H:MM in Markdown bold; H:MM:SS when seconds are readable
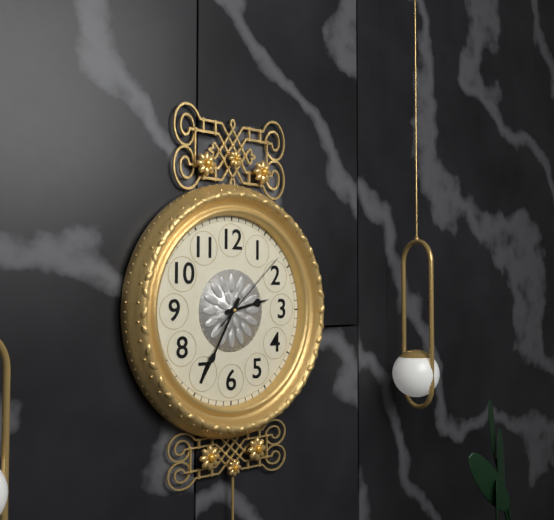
**2:35:08**
